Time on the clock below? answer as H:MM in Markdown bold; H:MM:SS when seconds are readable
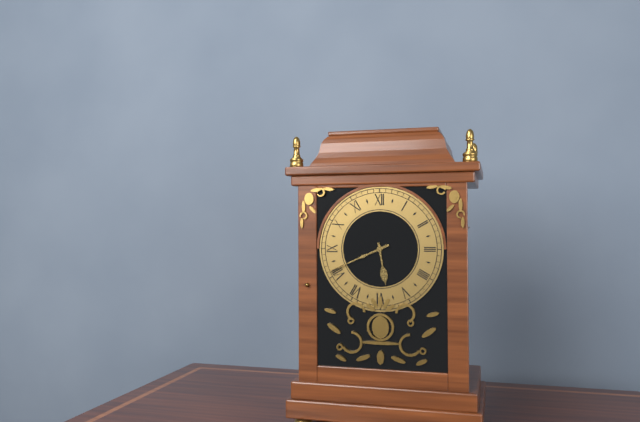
**5:41**
